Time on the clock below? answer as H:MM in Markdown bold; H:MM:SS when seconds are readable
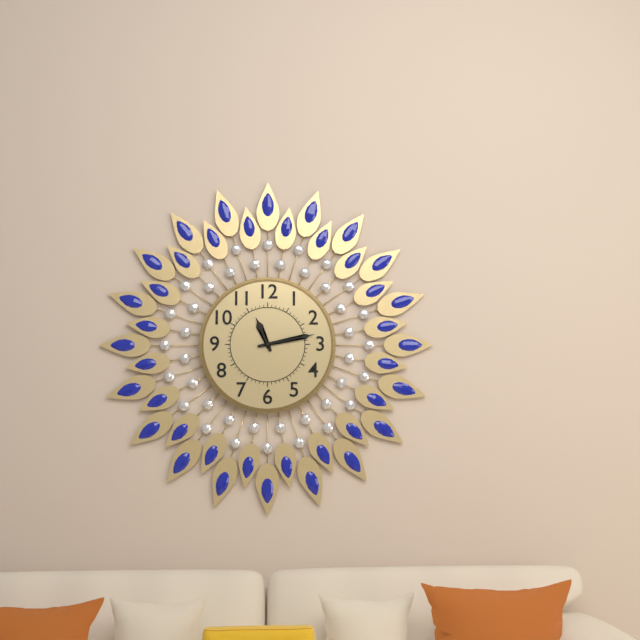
**11:13**
